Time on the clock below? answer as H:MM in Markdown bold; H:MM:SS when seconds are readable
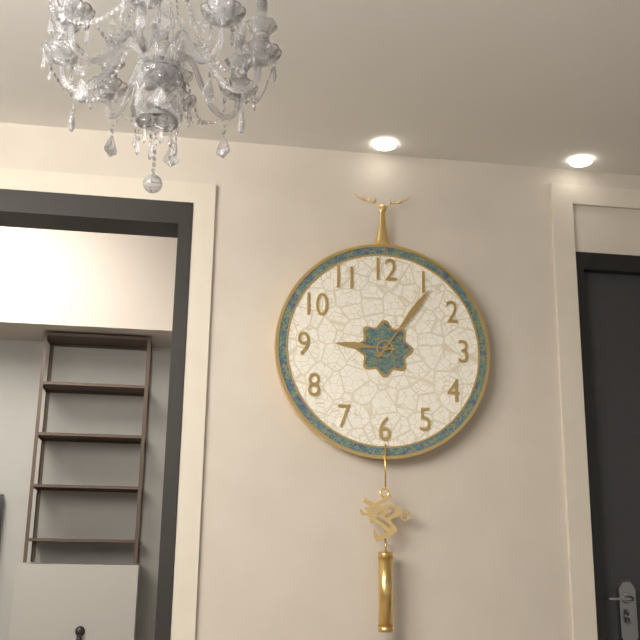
**9:06**
